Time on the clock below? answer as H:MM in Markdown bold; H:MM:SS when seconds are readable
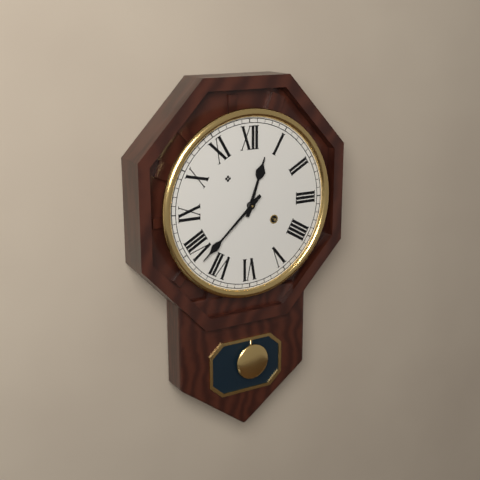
**12:38**
